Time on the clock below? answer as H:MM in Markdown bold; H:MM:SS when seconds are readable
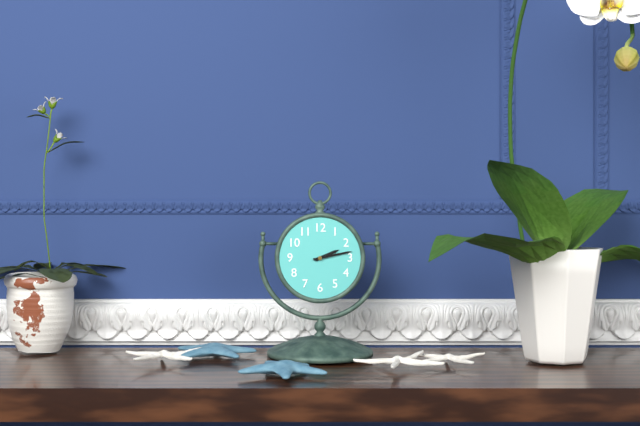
**2:13**
